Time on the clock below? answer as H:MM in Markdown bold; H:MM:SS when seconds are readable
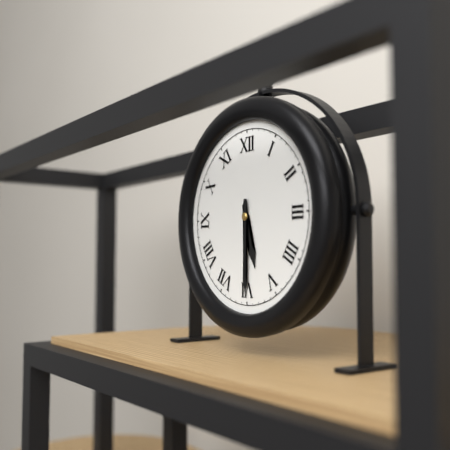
**5:30**
